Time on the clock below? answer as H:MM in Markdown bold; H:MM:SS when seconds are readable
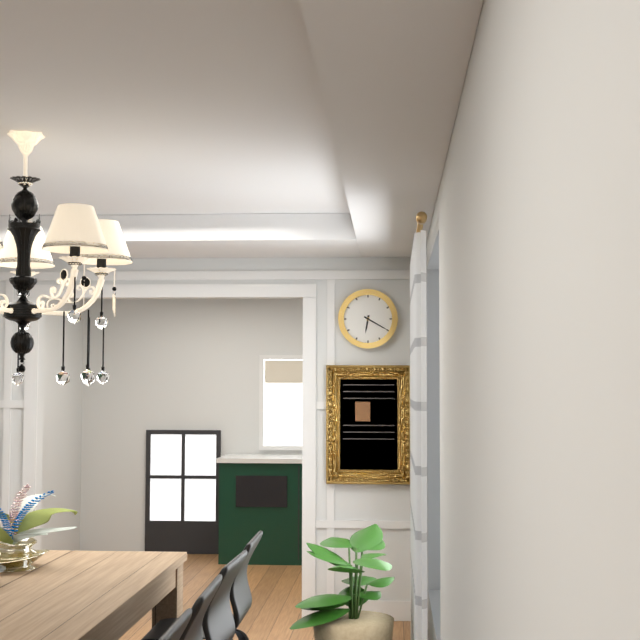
**6:20**
